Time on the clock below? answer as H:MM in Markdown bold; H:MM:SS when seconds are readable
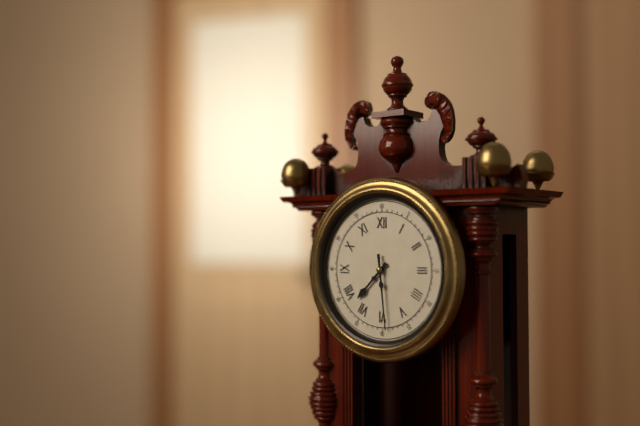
**7:29**
